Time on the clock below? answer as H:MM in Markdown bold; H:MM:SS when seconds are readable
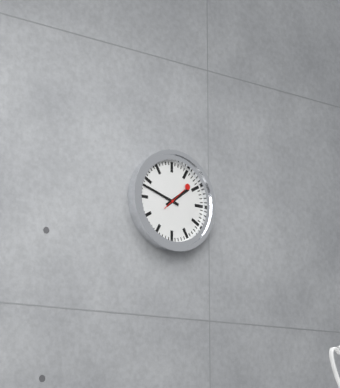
**1:48**
